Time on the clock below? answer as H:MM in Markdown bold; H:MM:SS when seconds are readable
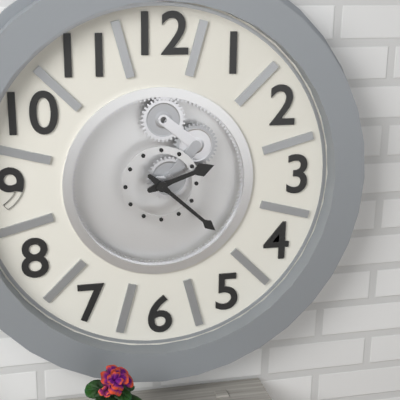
**2:22**
